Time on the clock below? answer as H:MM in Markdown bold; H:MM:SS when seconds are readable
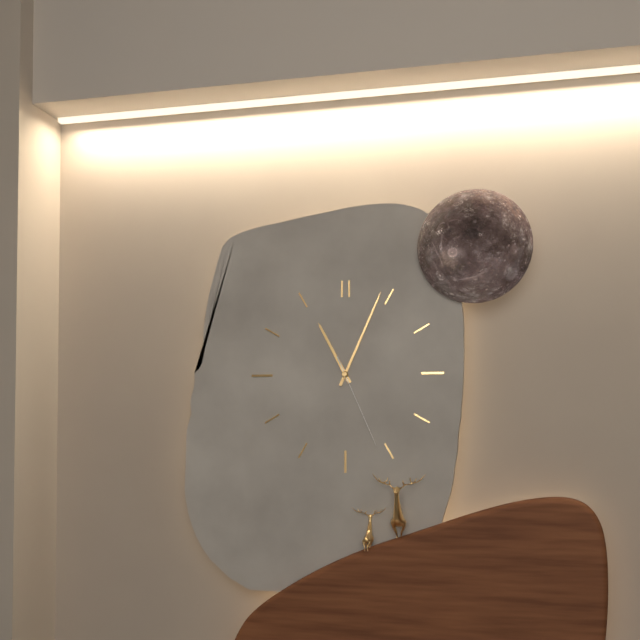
**11:04:26**
